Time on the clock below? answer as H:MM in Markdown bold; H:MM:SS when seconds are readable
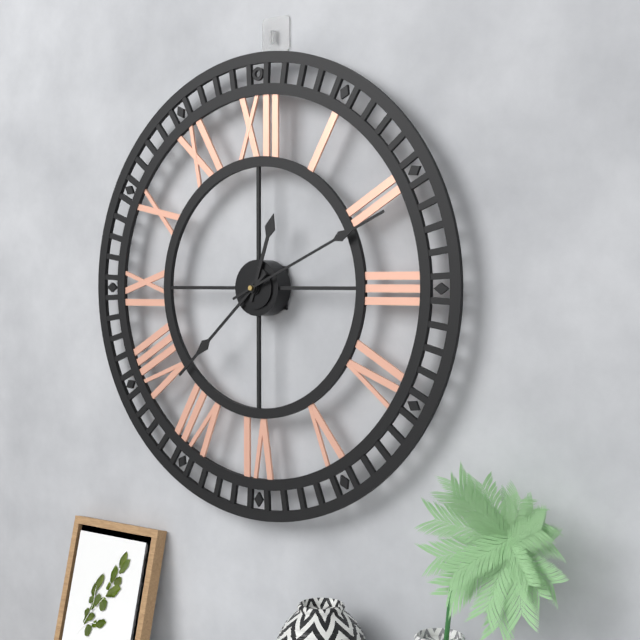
**12:38:11**
